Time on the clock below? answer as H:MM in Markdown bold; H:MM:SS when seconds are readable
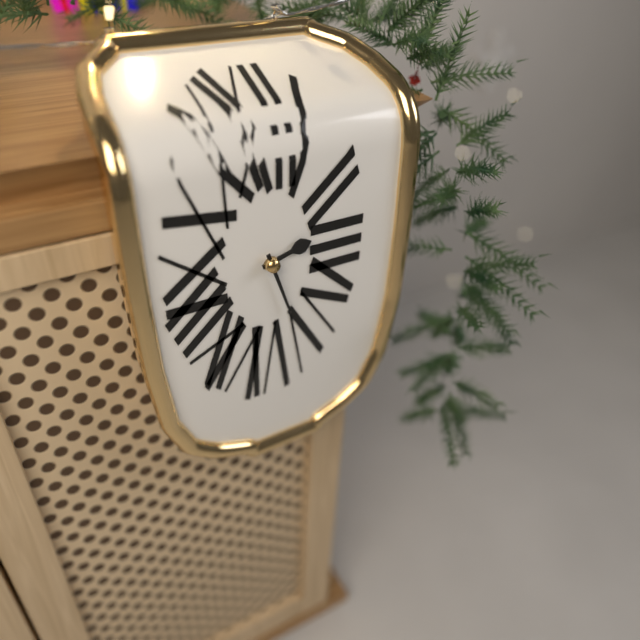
**2:27**
